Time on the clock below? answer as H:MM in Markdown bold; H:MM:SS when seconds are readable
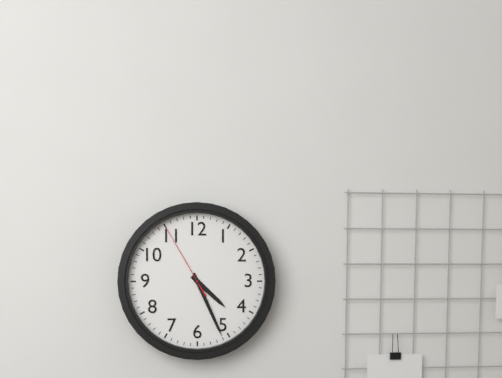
**4:26:55**
